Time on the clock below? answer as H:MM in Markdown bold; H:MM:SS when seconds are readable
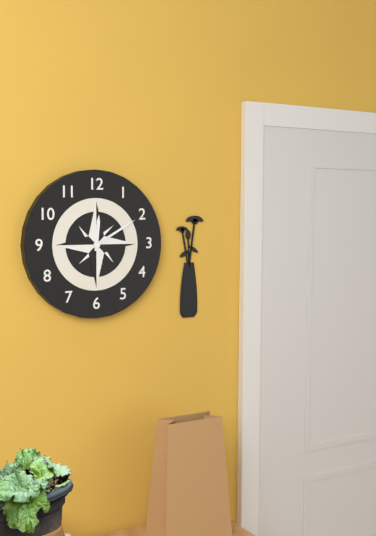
**12:10**
